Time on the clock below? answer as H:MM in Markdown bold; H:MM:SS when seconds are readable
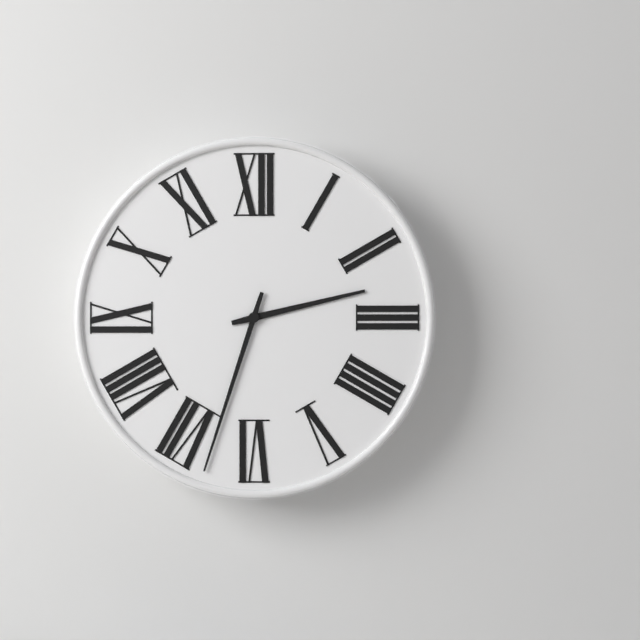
**2:33**
